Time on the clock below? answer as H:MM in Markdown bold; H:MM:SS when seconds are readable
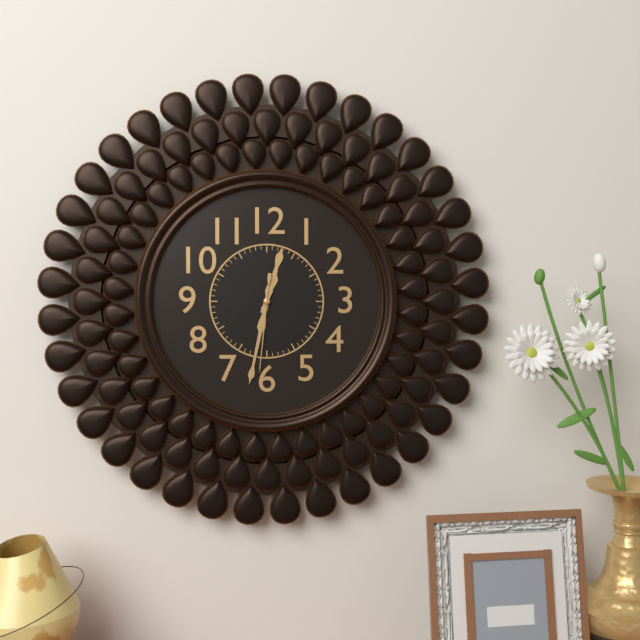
**12:32:31**
